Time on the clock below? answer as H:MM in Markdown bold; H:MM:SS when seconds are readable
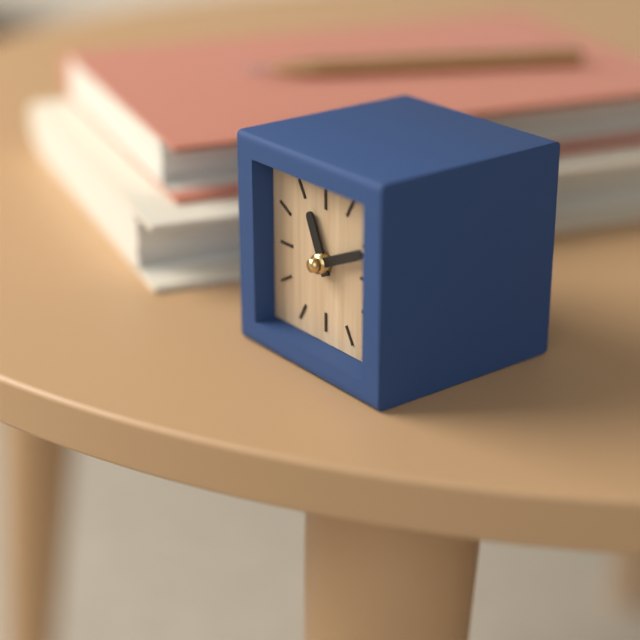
**11:11**
